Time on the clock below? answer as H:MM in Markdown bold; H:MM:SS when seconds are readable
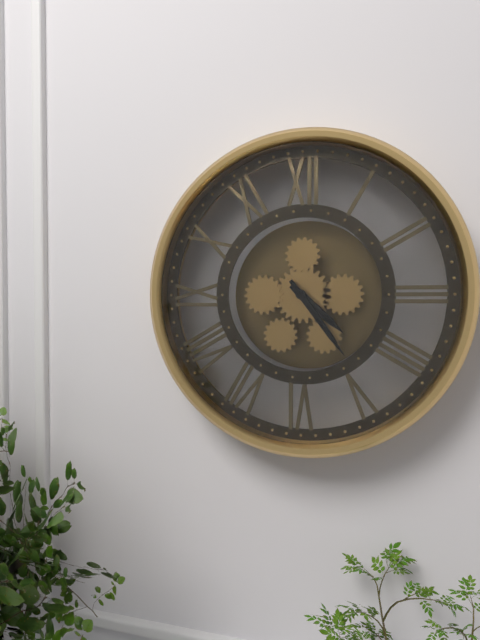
**4:24**
